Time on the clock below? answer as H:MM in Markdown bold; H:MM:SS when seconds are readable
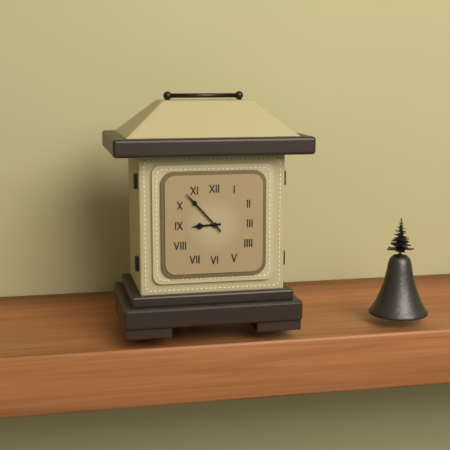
**8:53**
